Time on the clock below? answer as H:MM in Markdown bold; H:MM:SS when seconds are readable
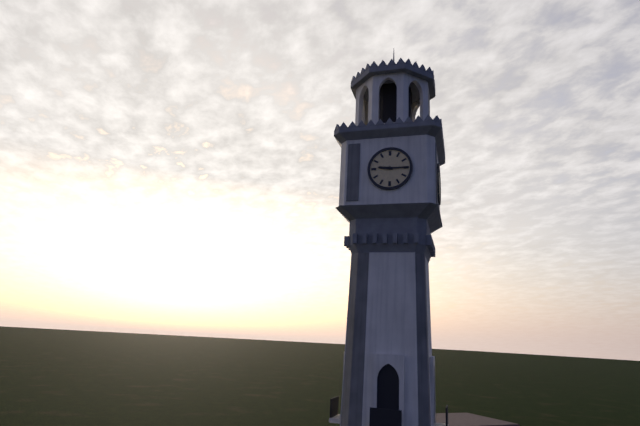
**9:15**
